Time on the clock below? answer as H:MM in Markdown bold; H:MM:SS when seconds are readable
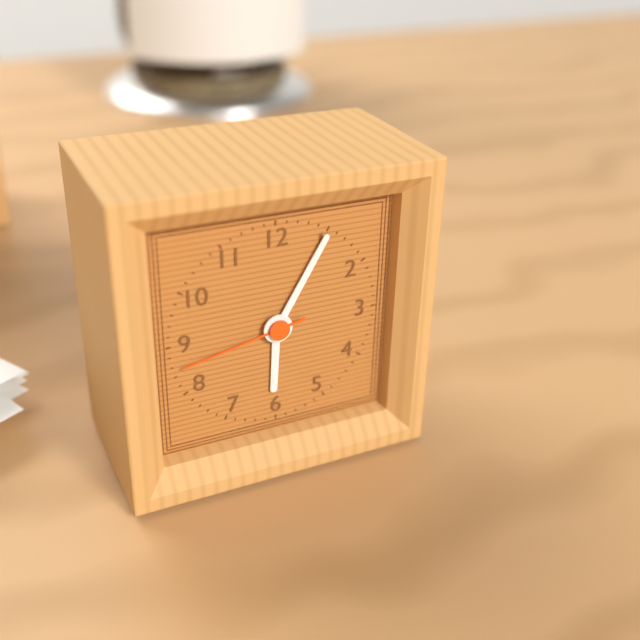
**6:05:43**
